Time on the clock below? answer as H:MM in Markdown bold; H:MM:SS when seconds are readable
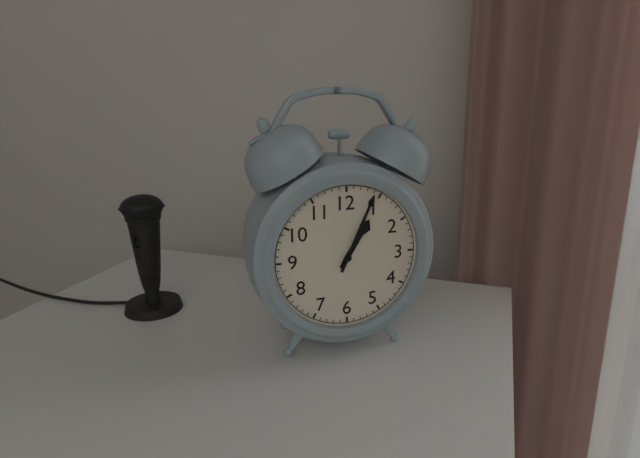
**1:04**
